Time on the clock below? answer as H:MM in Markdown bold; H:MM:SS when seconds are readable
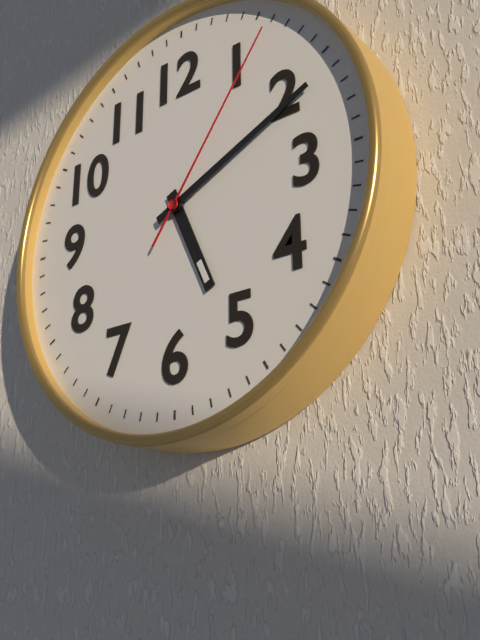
**5:11:06**
